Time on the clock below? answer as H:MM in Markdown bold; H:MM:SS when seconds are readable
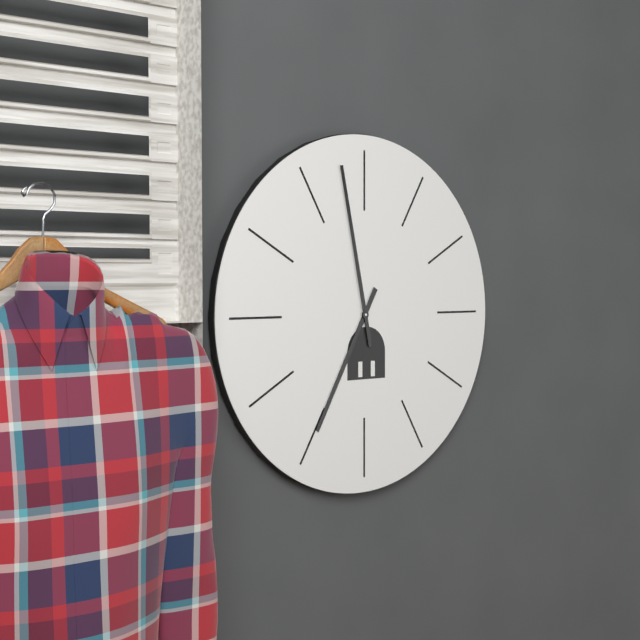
**6:58**
